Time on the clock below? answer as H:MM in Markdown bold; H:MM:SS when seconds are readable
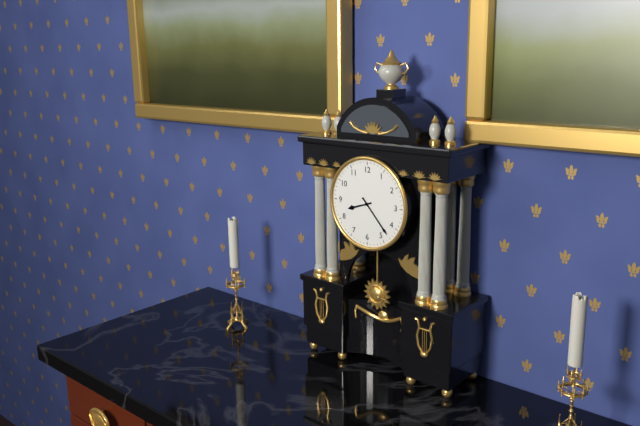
**8:23**
